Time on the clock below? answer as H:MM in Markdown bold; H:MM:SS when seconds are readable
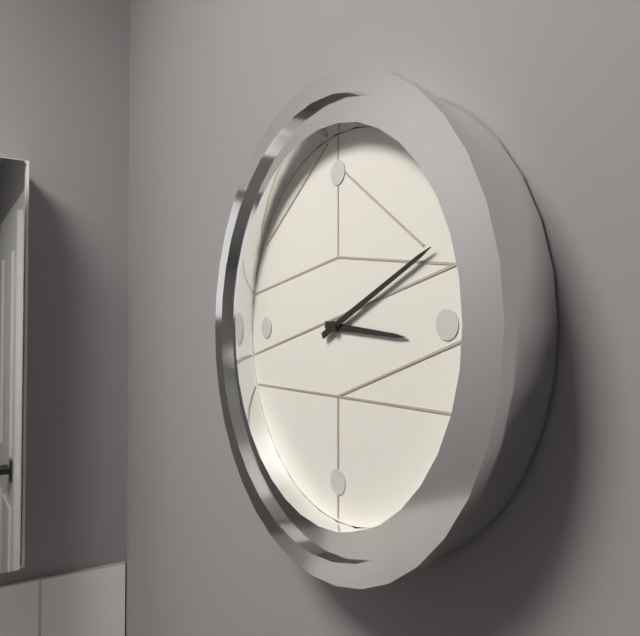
**3:11**
